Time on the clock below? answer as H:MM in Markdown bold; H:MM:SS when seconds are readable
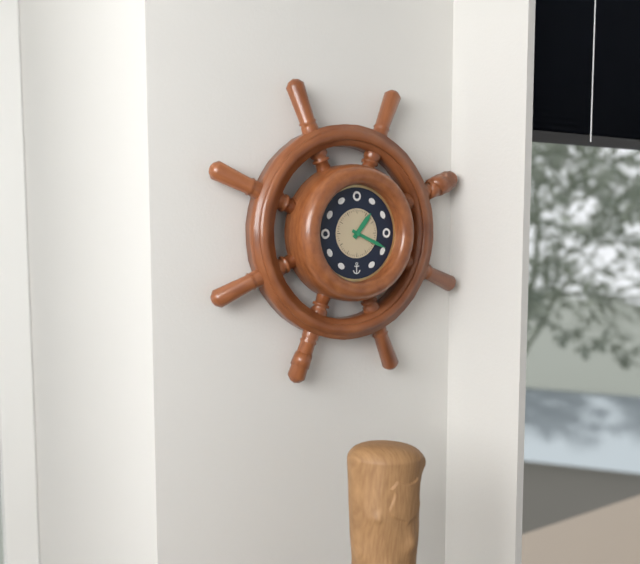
**1:19**
